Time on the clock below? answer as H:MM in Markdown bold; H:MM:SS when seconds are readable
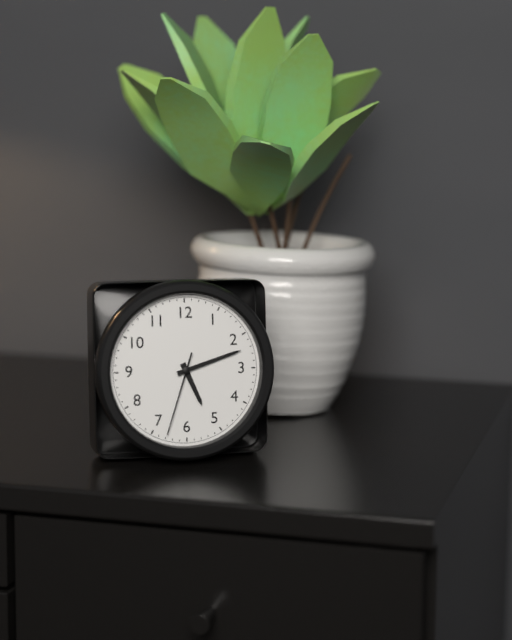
**5:12:33**
